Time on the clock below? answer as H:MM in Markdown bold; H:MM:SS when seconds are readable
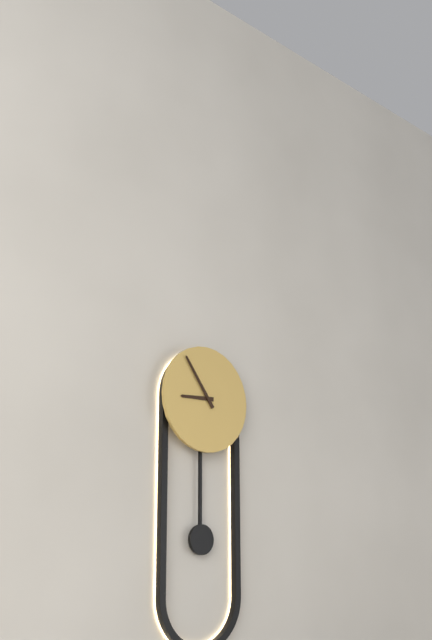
**8:54**
